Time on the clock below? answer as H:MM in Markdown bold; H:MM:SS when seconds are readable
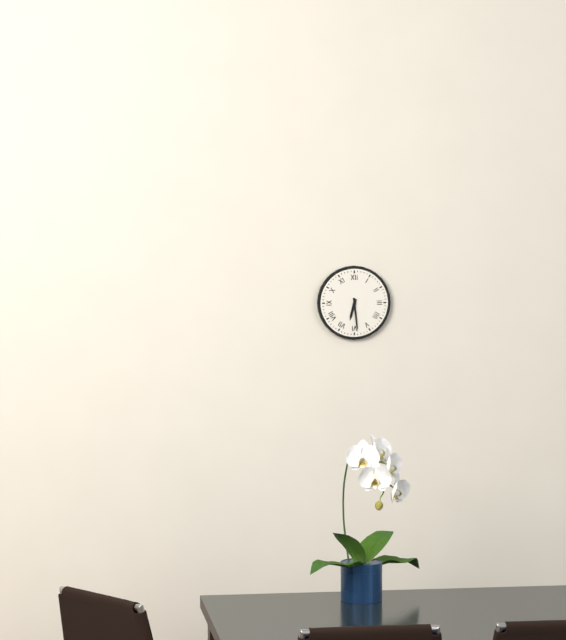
**6:29**
